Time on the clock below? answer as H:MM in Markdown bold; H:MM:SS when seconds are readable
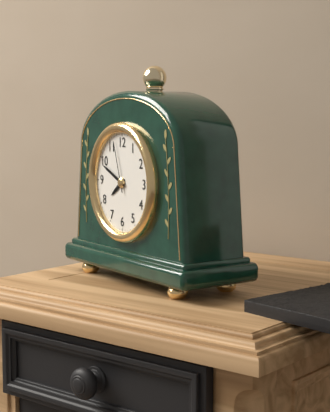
**7:49:57**
